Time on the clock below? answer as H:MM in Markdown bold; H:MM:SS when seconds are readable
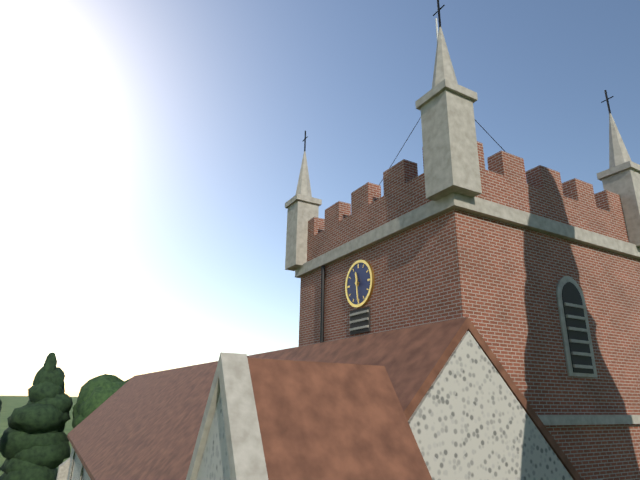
**11:29**
